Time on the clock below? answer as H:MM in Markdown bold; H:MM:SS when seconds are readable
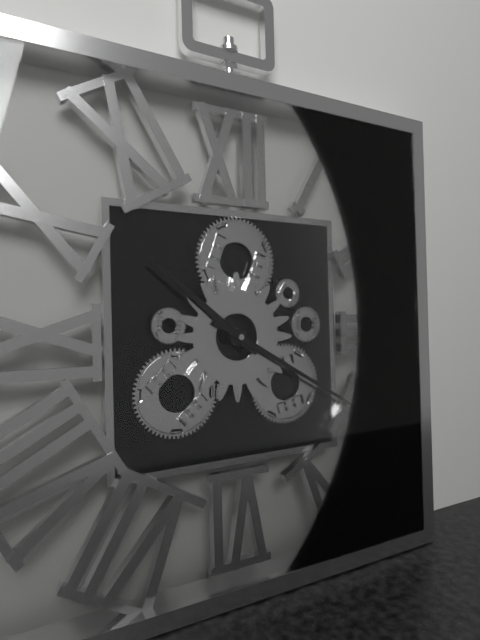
**10:20**
